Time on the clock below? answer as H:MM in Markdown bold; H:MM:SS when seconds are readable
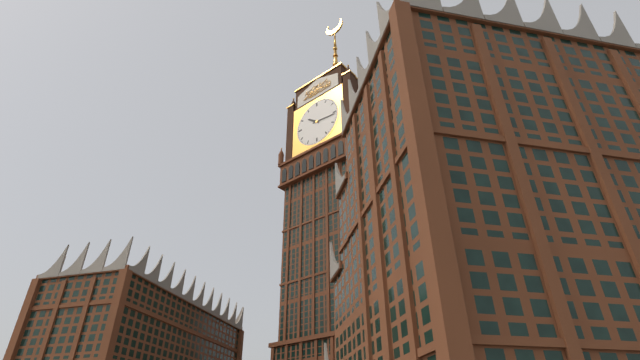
**10:16**
